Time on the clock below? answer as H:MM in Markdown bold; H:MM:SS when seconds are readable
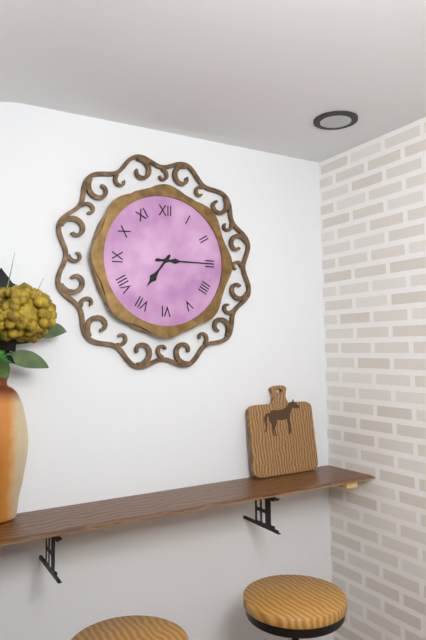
**7:15**
